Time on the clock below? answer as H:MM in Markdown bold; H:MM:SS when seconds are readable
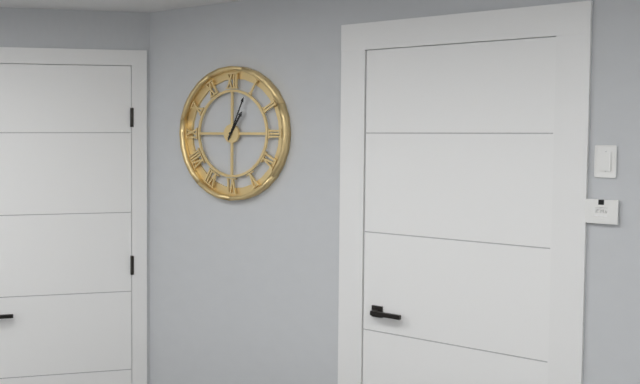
**1:04**
